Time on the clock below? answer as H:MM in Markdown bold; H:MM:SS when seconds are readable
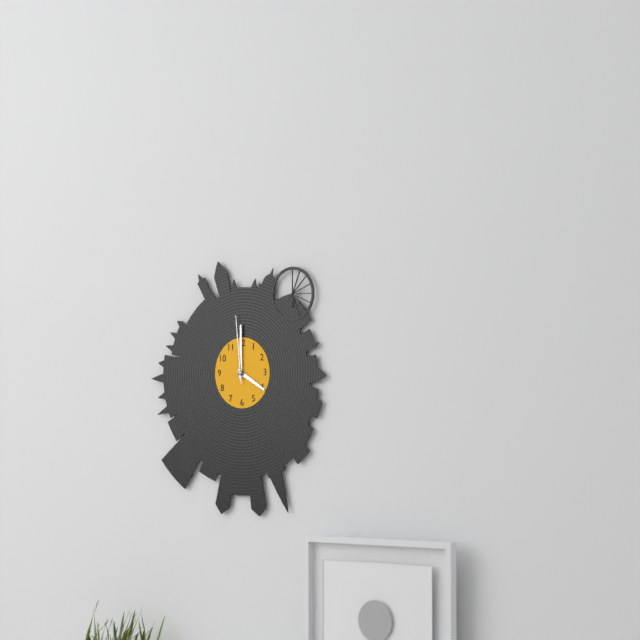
**4:00:59**
